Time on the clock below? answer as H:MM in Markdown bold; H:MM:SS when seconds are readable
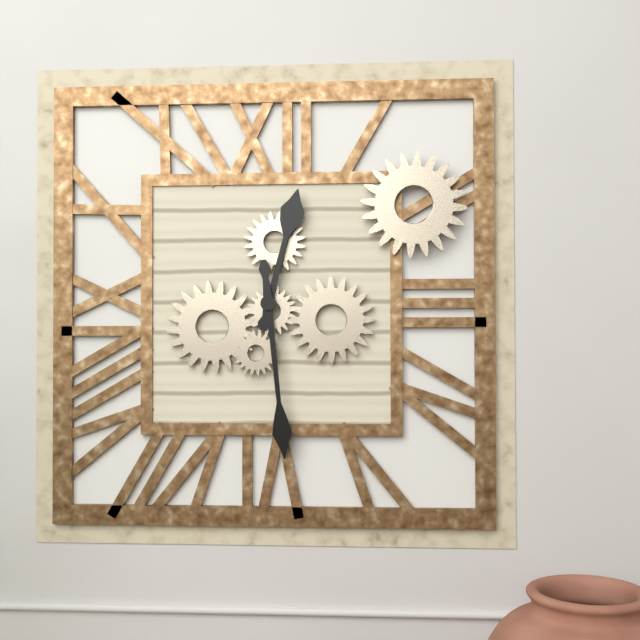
**12:29**
